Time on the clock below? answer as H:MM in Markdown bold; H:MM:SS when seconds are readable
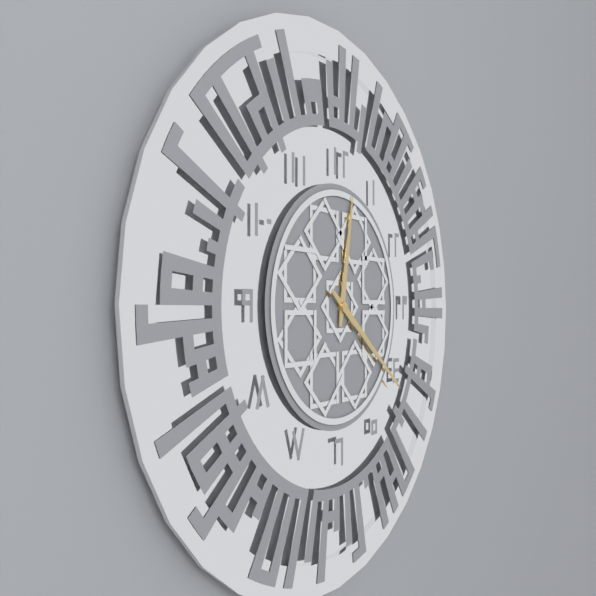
**12:21**
